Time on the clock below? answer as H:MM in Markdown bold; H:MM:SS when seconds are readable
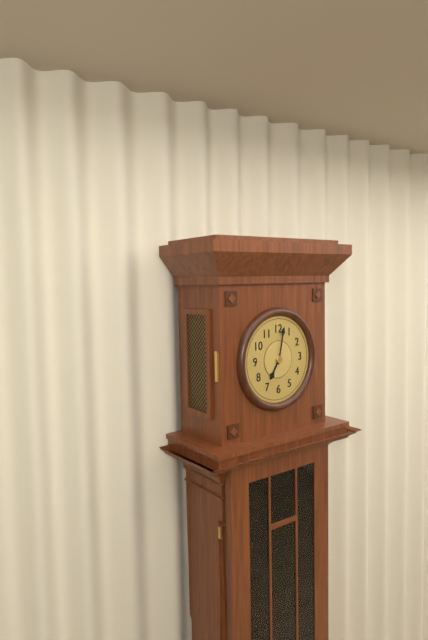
**7:02**
